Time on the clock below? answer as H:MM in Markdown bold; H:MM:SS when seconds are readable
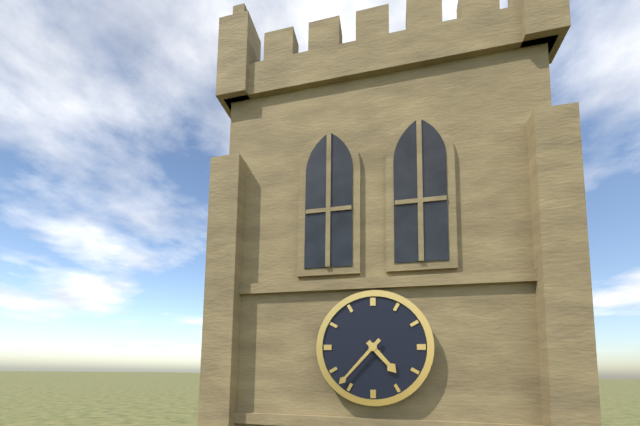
**4:37**
